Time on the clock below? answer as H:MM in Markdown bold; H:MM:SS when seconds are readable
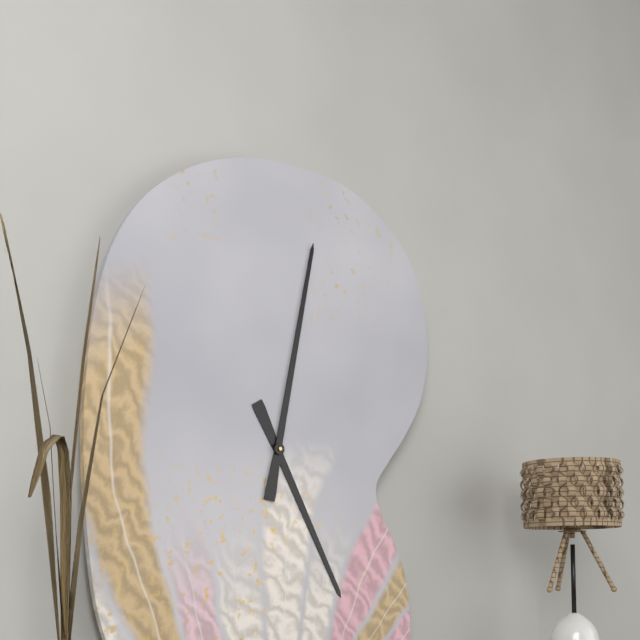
**5:02**
